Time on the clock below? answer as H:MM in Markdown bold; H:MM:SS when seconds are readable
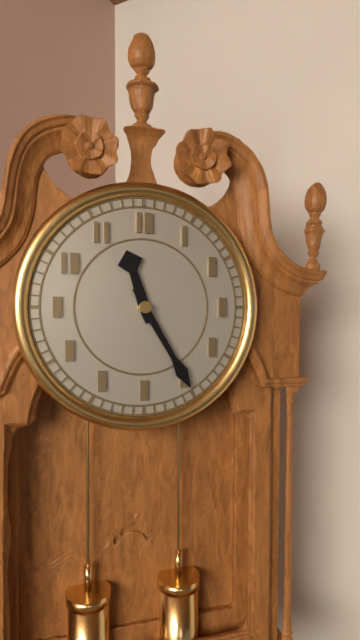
**11:25**
